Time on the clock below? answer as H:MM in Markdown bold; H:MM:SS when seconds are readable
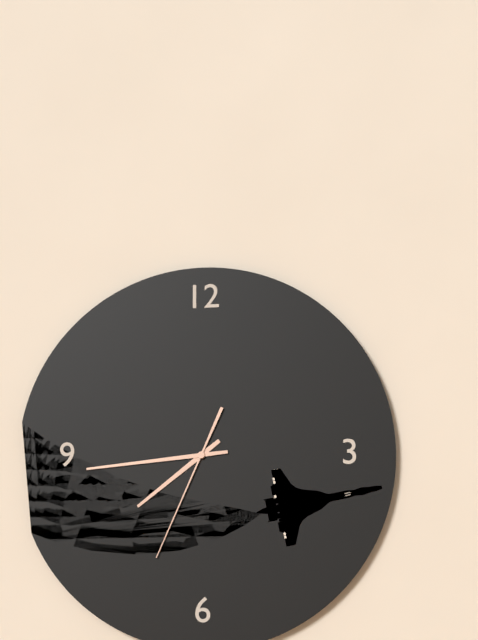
**7:44:34**
